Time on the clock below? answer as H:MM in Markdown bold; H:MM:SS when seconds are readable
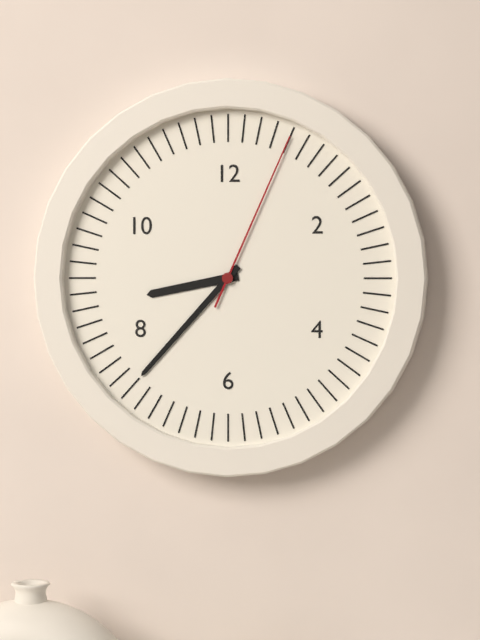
**8:37:04**
